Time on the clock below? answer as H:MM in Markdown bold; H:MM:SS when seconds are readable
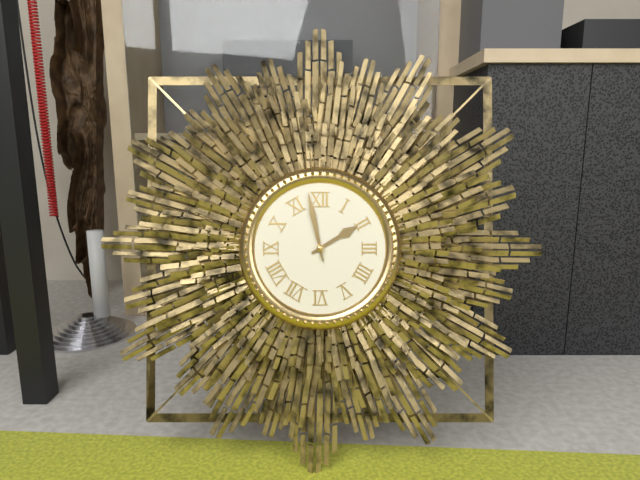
**1:58**
